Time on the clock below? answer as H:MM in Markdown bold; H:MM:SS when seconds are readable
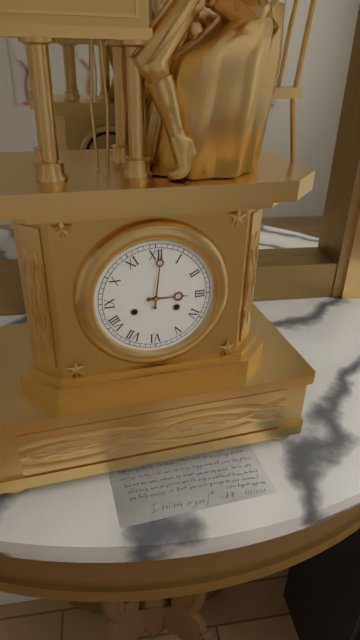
**3:01**
